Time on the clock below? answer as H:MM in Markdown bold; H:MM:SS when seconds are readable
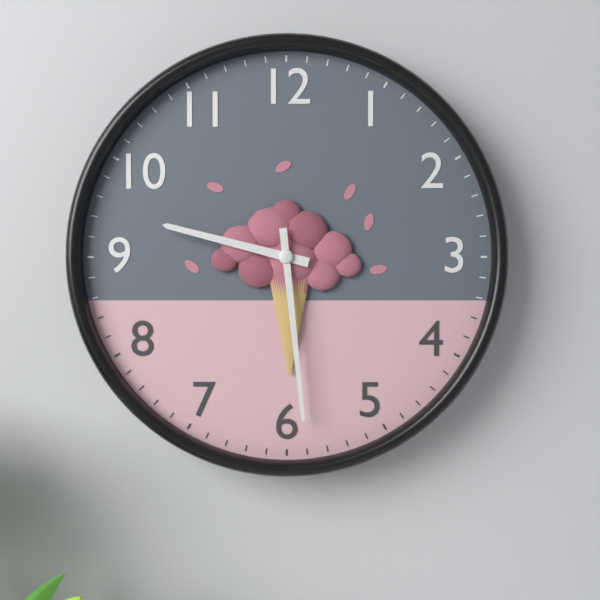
**9:29**
